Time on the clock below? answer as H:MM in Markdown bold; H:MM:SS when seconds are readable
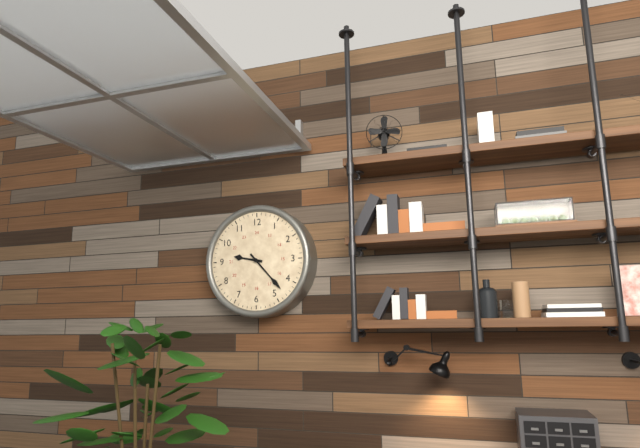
**9:23**
